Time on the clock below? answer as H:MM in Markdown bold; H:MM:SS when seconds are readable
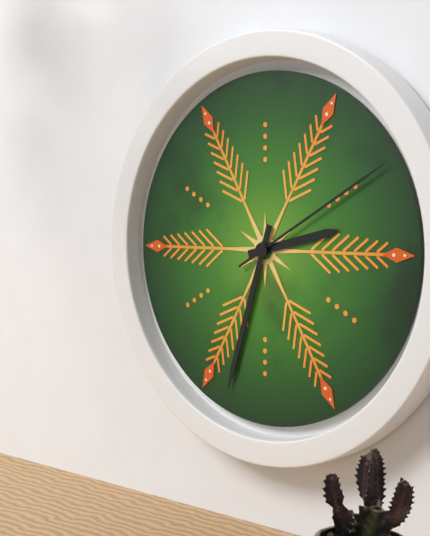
**2:33:10**
